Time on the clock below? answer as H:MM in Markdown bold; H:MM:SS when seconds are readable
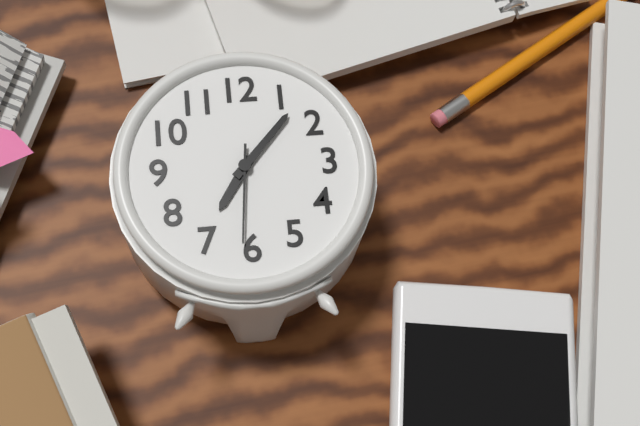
**7:07:31**
